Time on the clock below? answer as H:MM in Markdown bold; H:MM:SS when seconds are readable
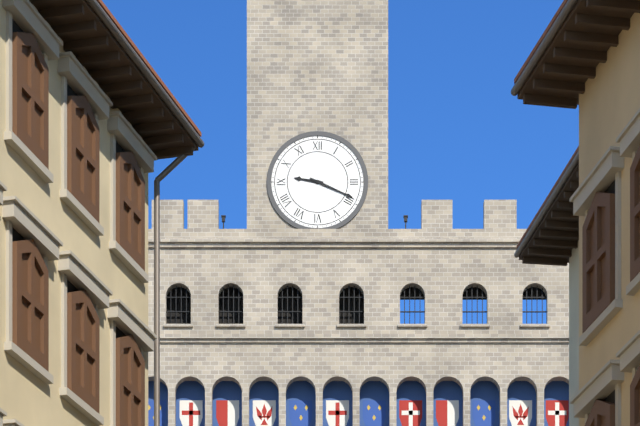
**9:19**
